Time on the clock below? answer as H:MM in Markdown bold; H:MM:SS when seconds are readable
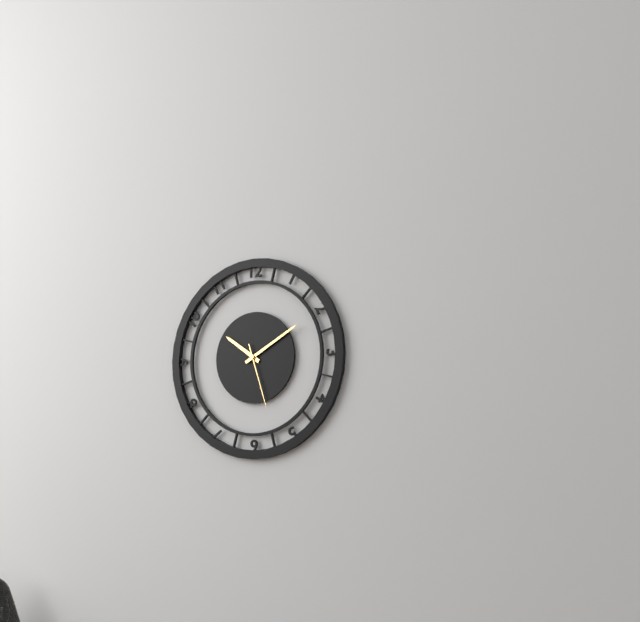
**10:10:27**
